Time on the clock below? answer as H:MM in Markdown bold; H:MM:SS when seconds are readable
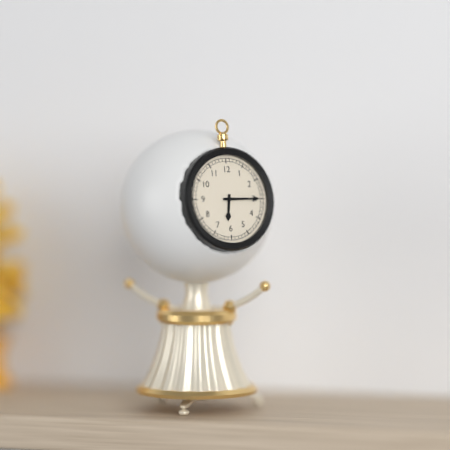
**6:15**
